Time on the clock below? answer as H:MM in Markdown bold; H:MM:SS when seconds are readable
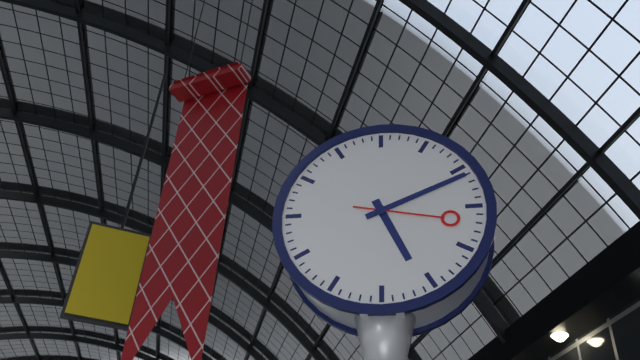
**5:11:17**
